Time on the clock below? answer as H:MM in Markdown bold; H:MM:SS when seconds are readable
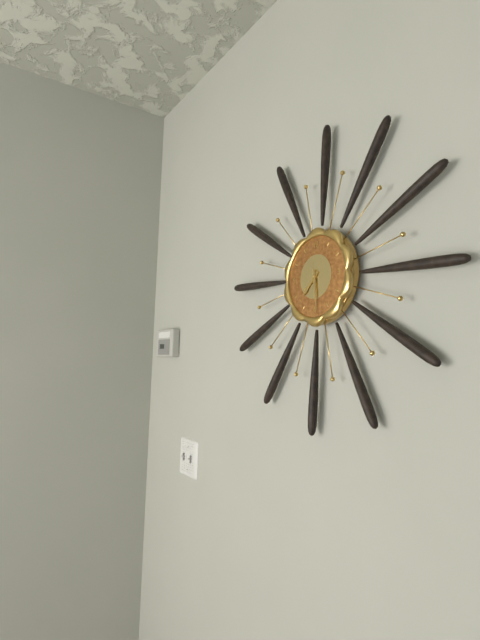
**7:29**
